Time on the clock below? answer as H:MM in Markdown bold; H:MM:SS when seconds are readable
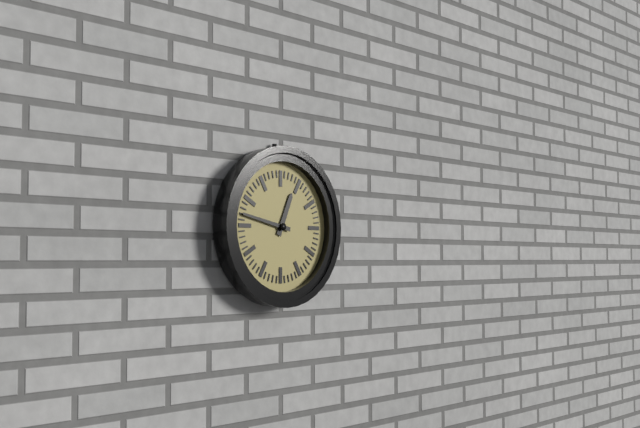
**12:47**
